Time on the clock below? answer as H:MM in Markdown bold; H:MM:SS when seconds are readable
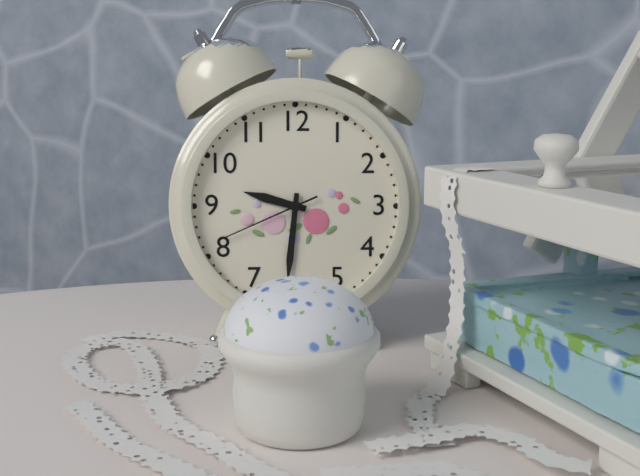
**9:31:41**
